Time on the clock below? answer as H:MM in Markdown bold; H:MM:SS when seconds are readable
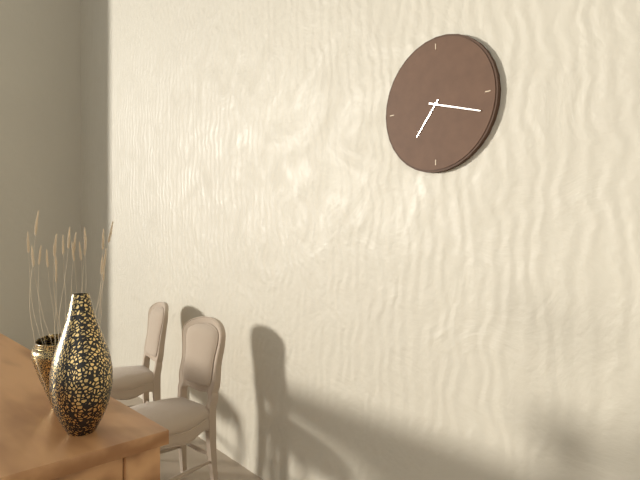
**7:18**
